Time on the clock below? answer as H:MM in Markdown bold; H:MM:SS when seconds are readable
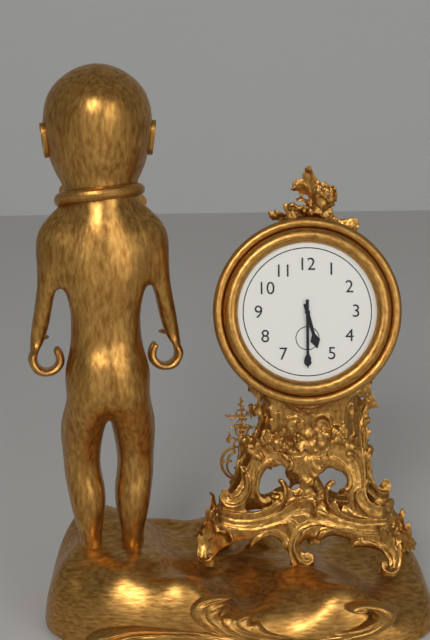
**5:30**
